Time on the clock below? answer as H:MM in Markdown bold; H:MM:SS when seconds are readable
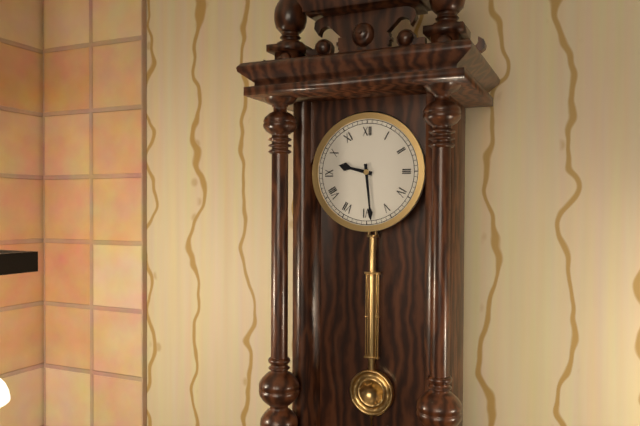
**9:29**
